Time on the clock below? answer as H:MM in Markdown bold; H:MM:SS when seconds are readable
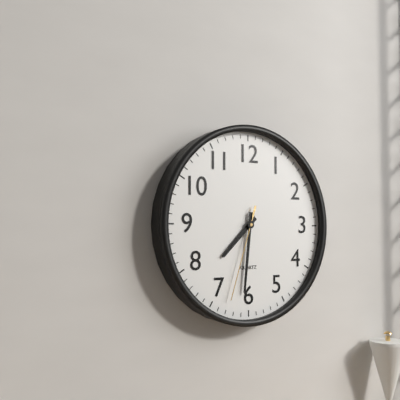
**7:31:33**
